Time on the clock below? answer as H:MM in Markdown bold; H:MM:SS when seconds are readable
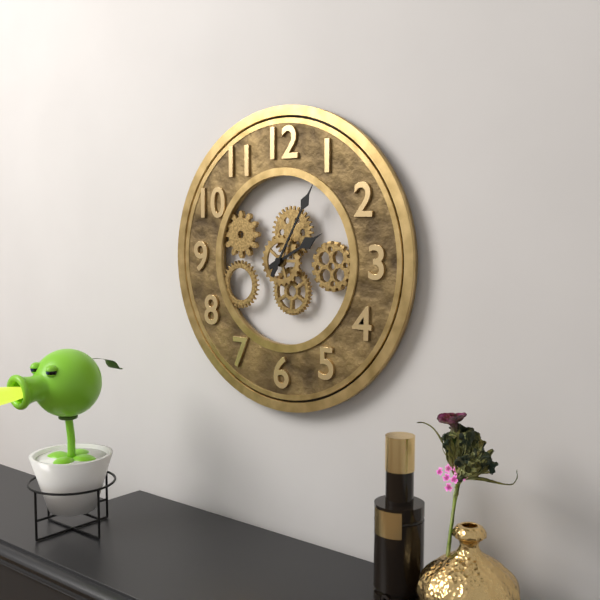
**2:05**
